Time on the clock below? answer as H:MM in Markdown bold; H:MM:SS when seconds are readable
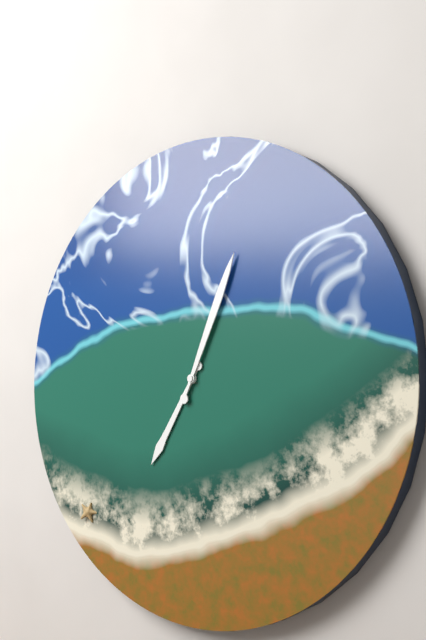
**7:04**
